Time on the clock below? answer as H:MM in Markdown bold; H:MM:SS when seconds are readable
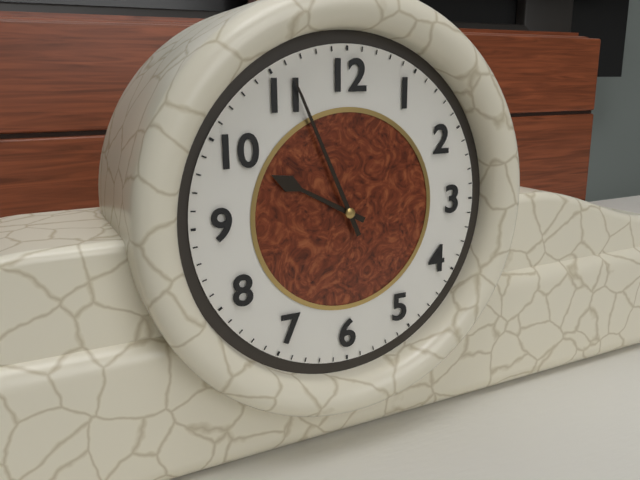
**9:56**
